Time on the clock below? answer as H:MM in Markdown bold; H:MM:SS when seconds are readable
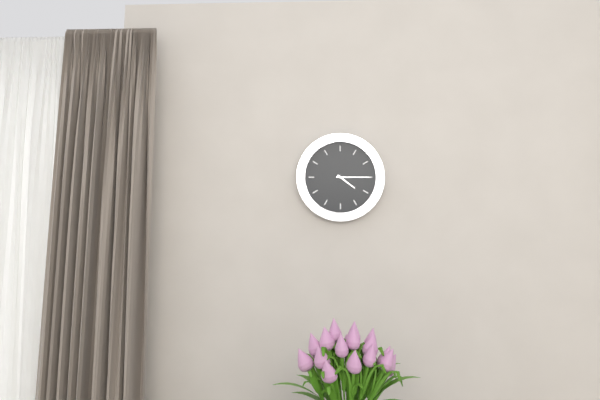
**4:15**
